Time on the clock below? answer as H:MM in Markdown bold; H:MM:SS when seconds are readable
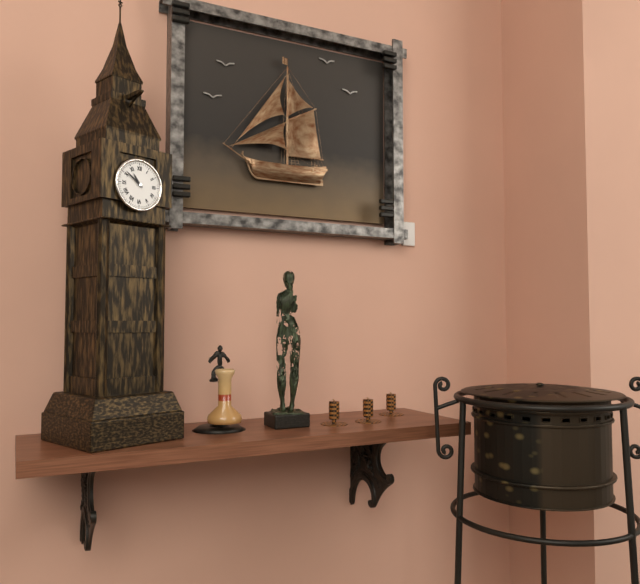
**10:51**
